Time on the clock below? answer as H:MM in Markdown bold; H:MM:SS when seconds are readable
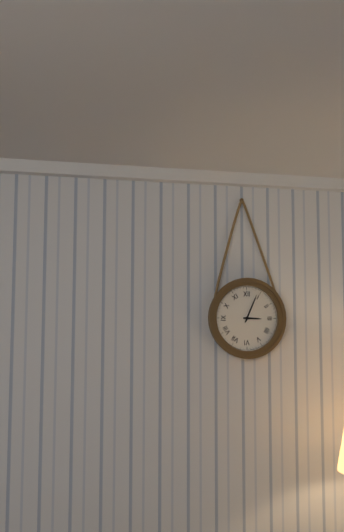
**3:04**
